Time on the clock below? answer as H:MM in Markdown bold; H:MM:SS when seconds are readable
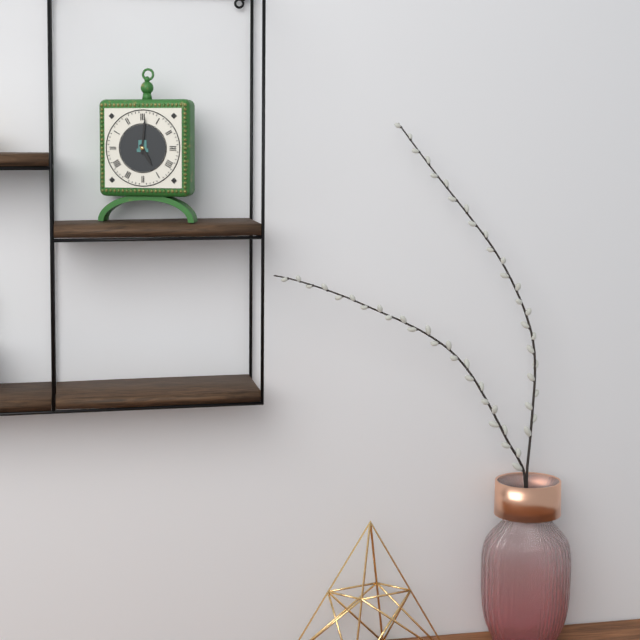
**5:01**
